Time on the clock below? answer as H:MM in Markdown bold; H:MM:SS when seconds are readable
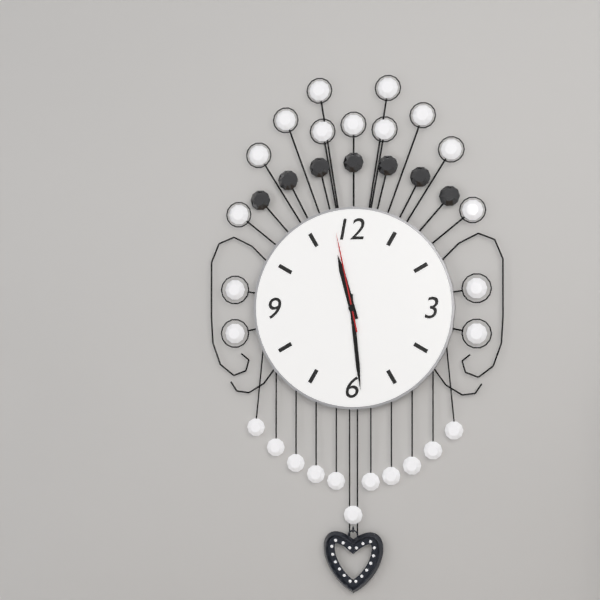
**11:29:58**
